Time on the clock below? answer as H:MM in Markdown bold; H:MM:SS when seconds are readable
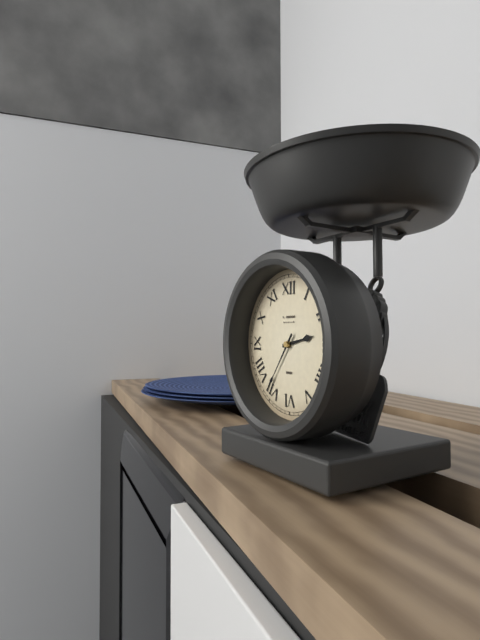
**2:36**
